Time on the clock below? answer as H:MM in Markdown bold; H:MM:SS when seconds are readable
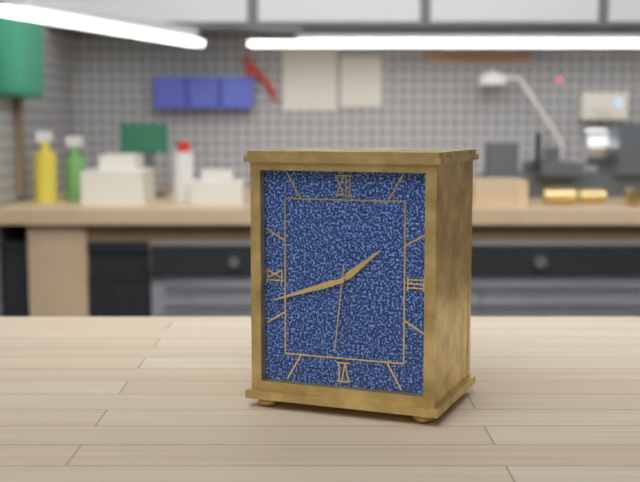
**1:42:31**
